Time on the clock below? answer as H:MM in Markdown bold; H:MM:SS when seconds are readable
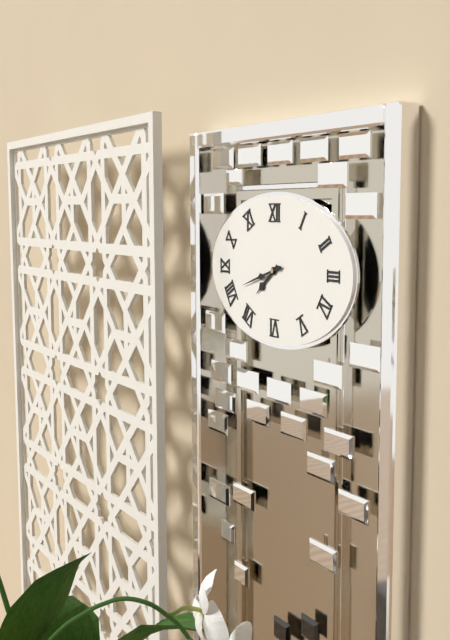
**7:42**
